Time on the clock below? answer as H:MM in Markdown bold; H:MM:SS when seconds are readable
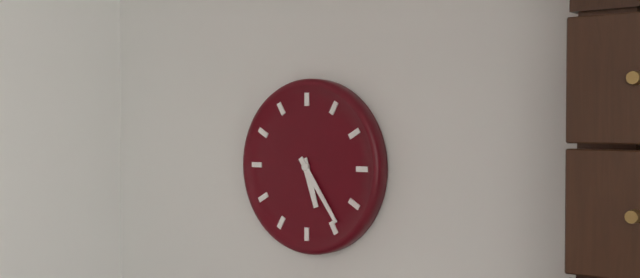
**5:24**
